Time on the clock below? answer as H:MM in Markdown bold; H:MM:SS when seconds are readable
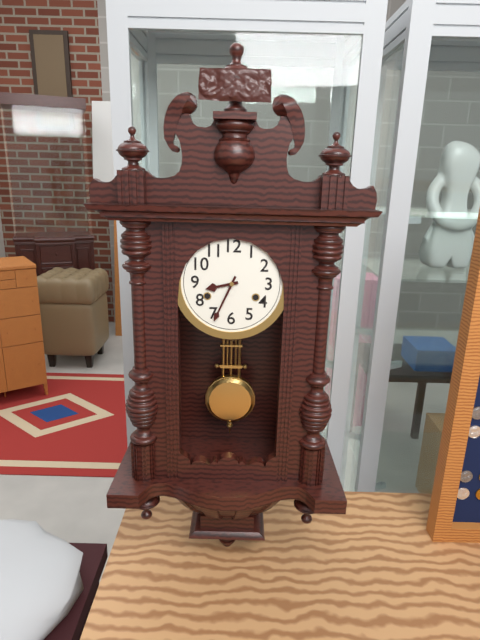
**8:34**
